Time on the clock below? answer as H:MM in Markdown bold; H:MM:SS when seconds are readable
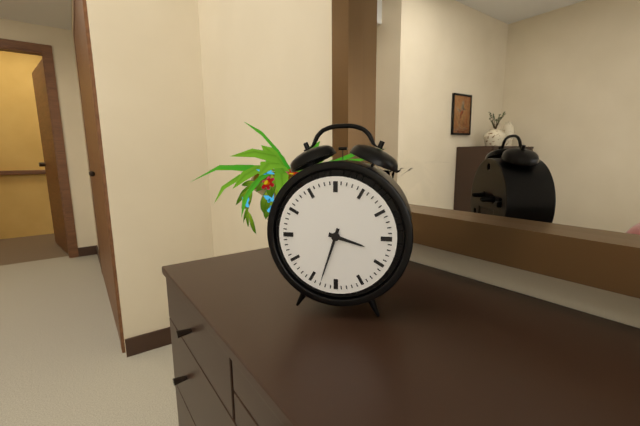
**3:33**
